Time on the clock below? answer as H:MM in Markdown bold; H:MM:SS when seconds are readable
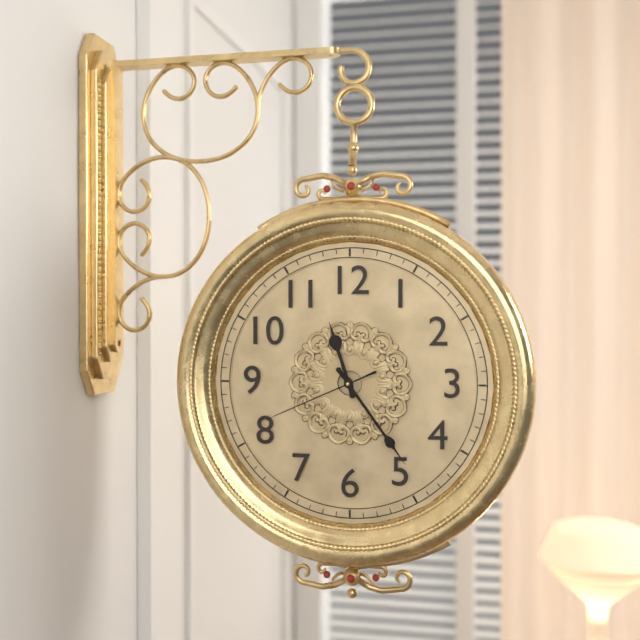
**11:24:41**
